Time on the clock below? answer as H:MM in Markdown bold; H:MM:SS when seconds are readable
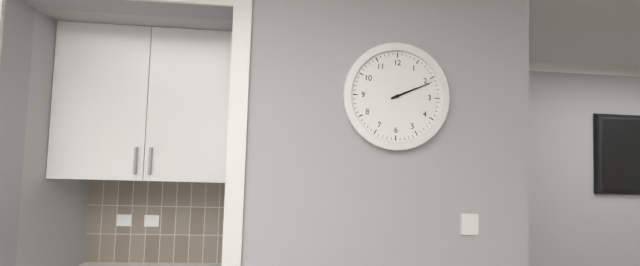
**2:11**
